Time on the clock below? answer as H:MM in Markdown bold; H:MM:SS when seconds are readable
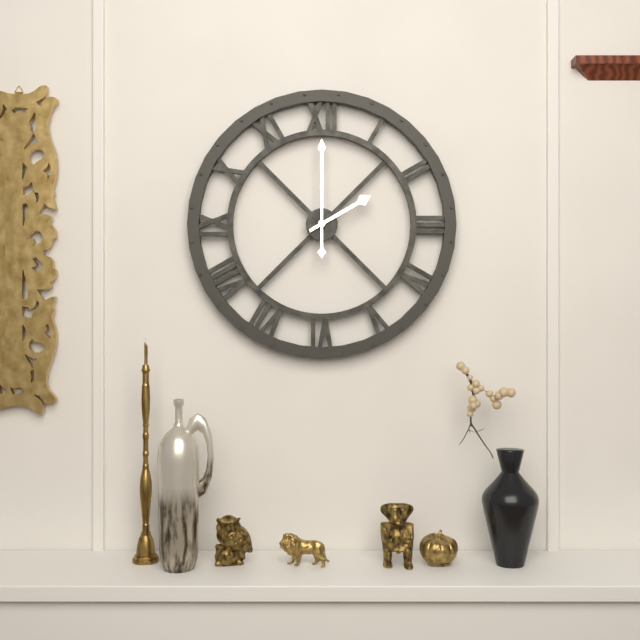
**2:00**
